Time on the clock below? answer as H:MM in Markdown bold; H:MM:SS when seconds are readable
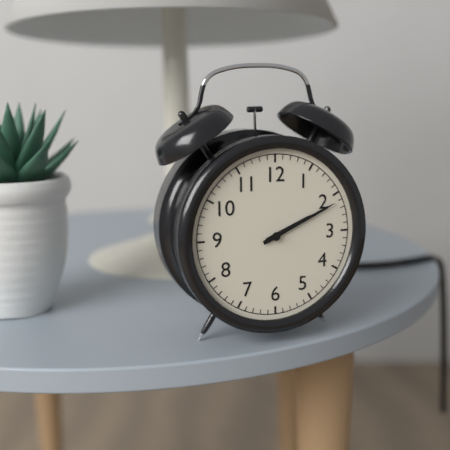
**2:11**
